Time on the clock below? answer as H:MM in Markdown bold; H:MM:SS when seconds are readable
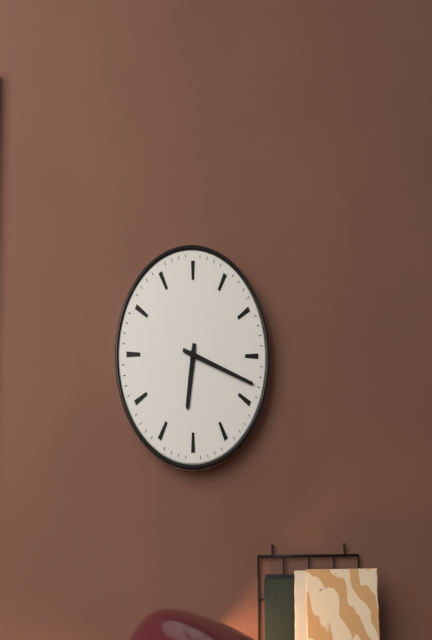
**6:18**
